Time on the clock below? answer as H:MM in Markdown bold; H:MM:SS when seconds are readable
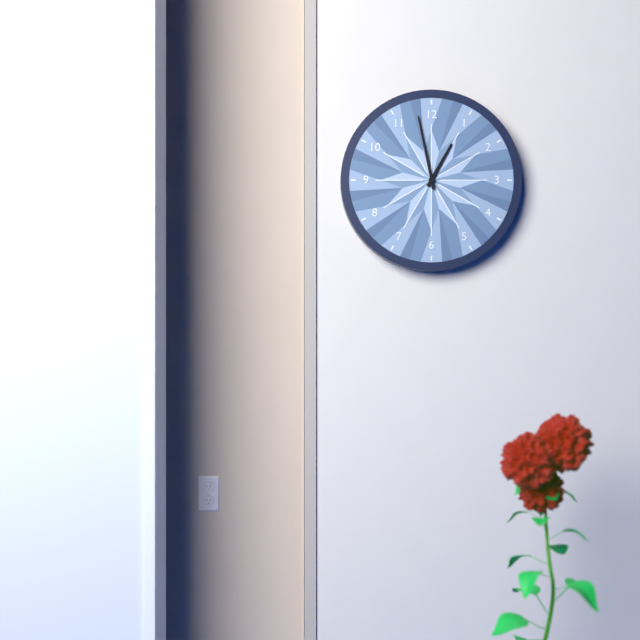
**12:58**
